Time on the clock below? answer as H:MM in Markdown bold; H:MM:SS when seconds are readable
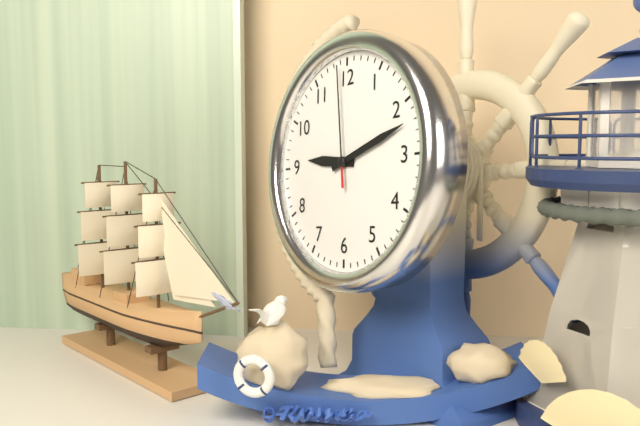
**9:12:59**
